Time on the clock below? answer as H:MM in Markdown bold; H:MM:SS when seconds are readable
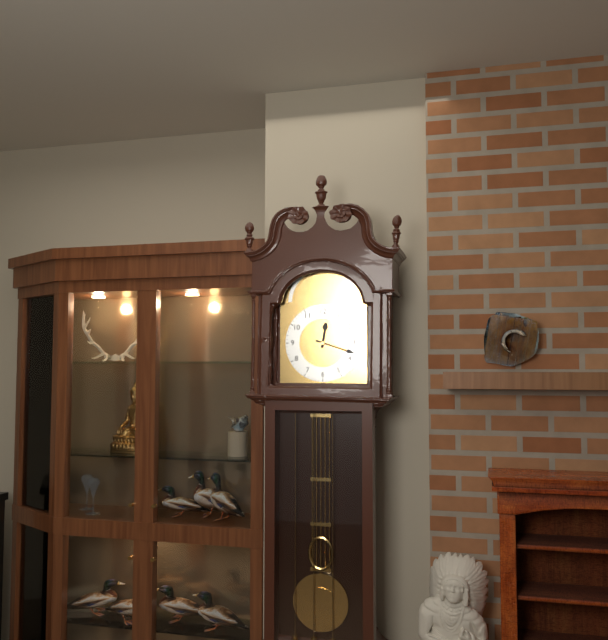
**12:18**
